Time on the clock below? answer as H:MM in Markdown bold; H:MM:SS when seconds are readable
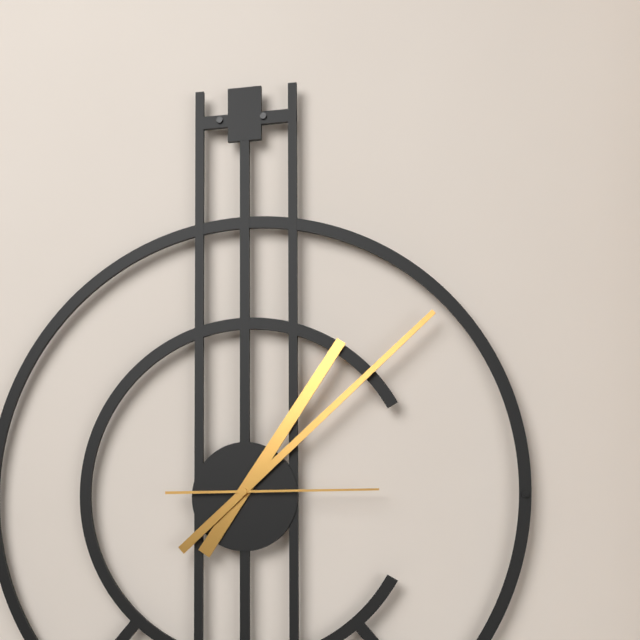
**1:08:15**
